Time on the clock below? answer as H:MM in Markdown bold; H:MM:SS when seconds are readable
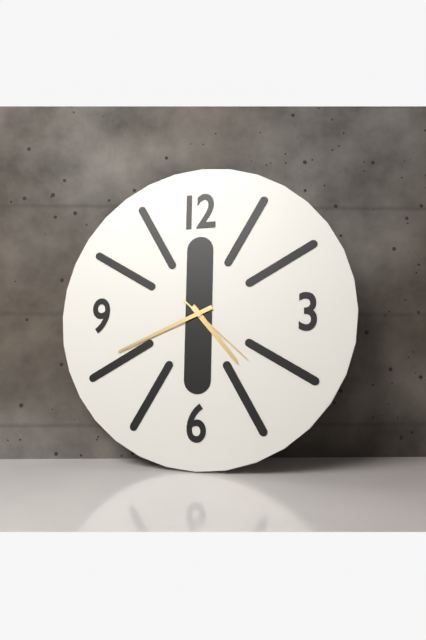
**4:41:22**
